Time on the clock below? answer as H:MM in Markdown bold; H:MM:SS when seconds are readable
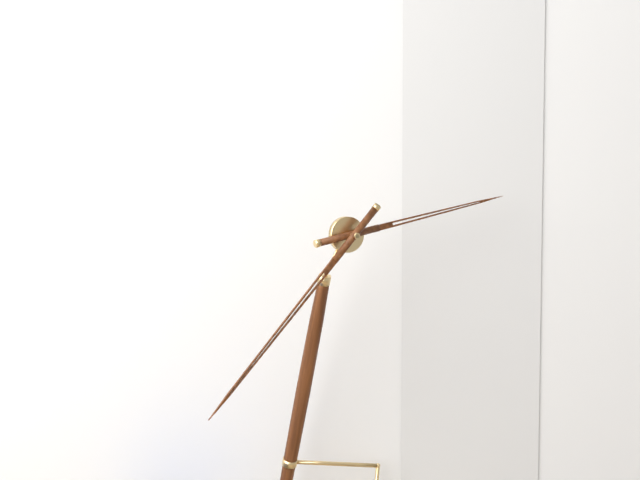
**2:37**
